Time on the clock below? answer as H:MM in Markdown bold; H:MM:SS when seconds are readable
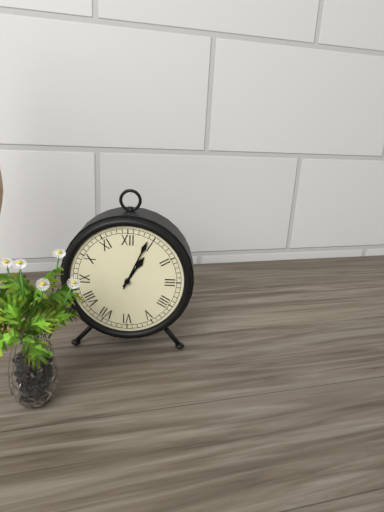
**1:04**
